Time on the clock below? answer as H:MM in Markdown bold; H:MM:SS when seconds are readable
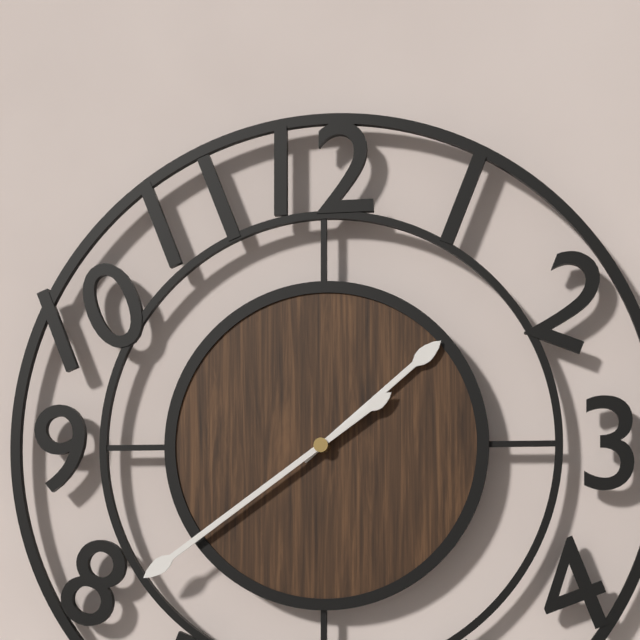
**1:39**
